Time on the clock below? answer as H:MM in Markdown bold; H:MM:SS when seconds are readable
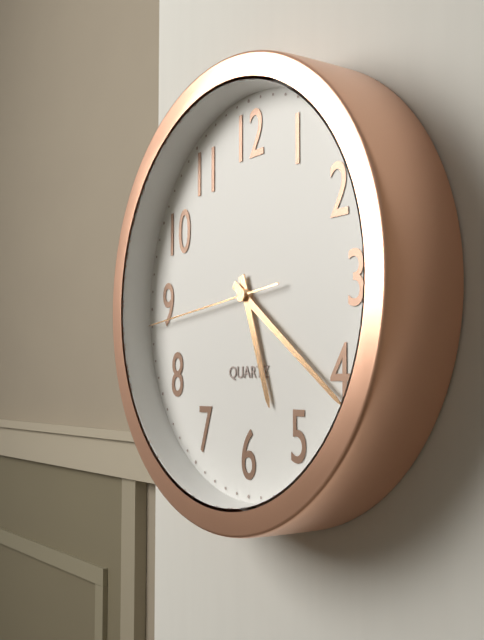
**5:21:44**
